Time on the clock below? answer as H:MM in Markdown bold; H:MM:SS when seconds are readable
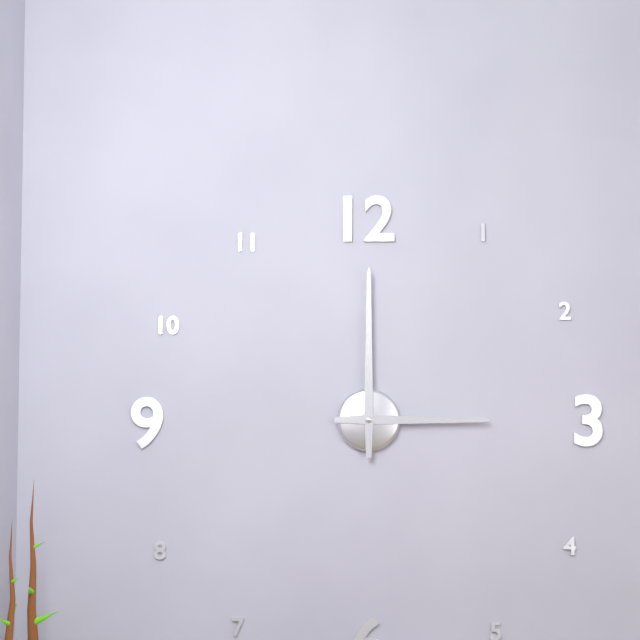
**3:00**
